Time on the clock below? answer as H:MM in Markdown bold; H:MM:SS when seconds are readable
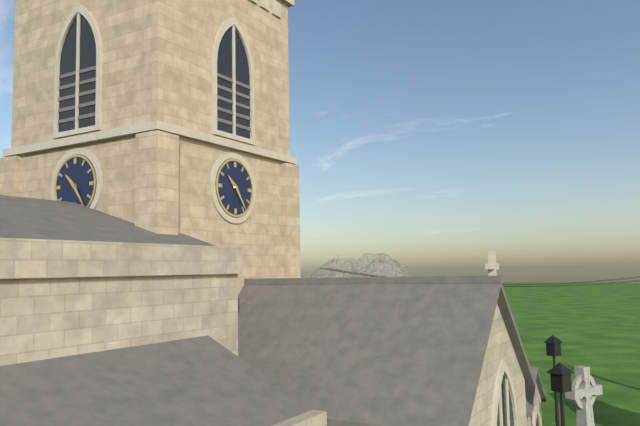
**10:24**
